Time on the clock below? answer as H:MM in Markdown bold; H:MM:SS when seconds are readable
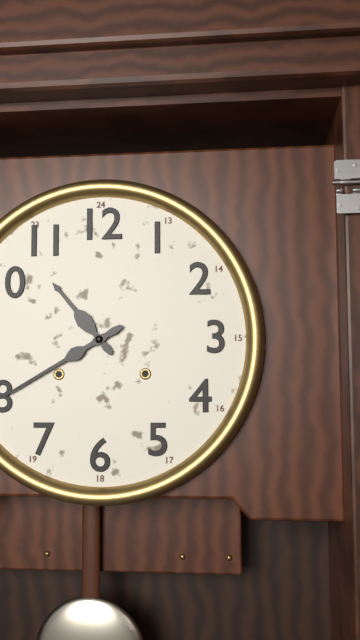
**10:40**
